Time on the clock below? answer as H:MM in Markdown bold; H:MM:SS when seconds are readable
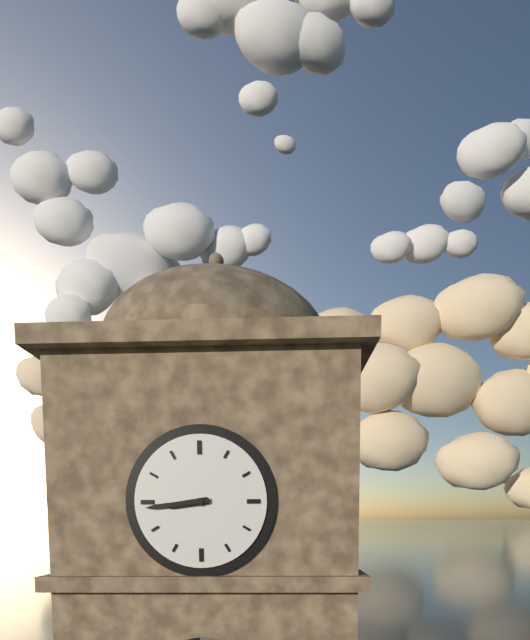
**8:44**
